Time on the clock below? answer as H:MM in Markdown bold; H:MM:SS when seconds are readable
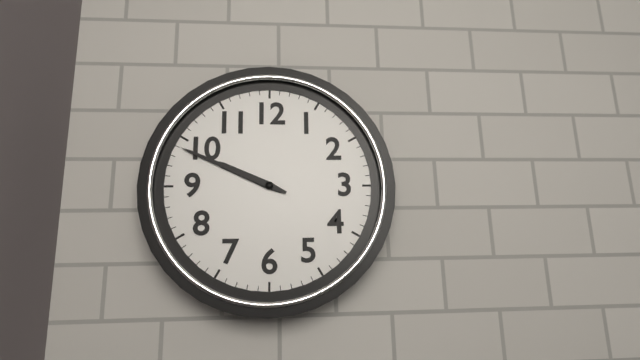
**9:49**
